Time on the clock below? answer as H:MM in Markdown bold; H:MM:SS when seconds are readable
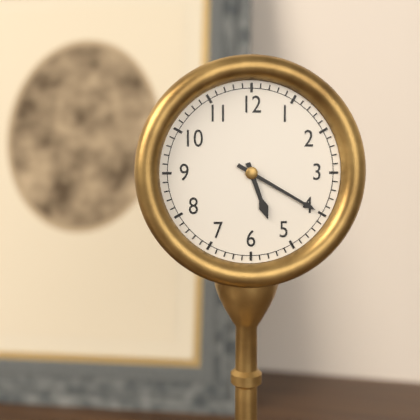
**5:20**
